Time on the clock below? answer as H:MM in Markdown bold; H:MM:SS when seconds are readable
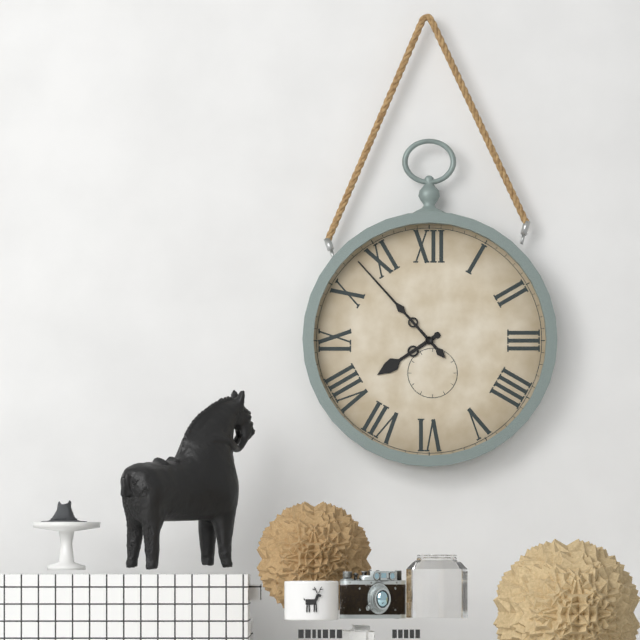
**7:53**
